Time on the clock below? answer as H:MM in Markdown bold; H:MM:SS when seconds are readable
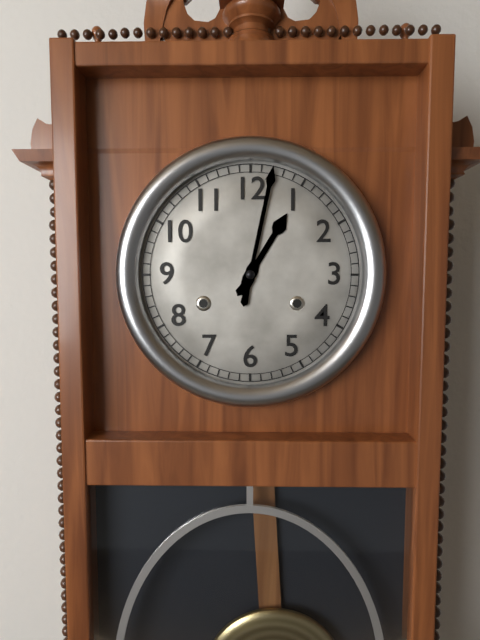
**1:02**
